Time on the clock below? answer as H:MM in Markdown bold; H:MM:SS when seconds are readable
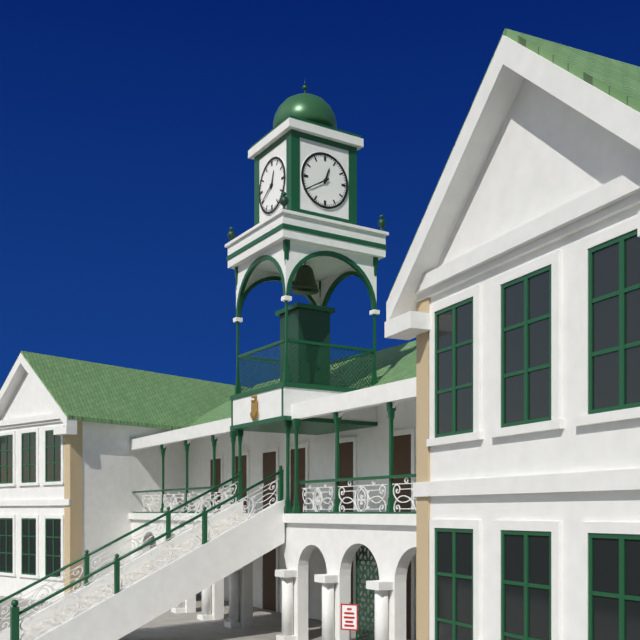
**12:40**
